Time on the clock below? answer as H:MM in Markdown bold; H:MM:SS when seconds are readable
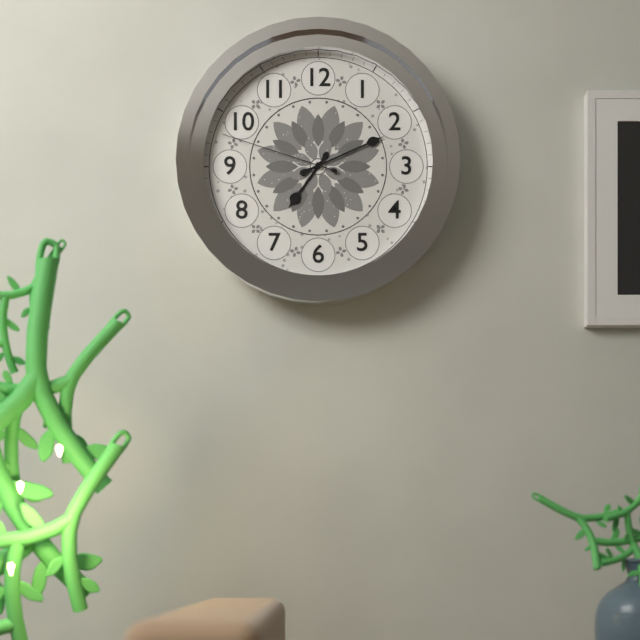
**7:11:48**
